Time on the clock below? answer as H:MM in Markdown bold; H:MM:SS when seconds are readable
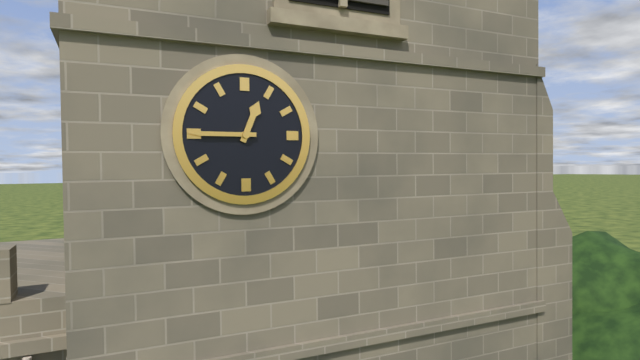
**12:45**
